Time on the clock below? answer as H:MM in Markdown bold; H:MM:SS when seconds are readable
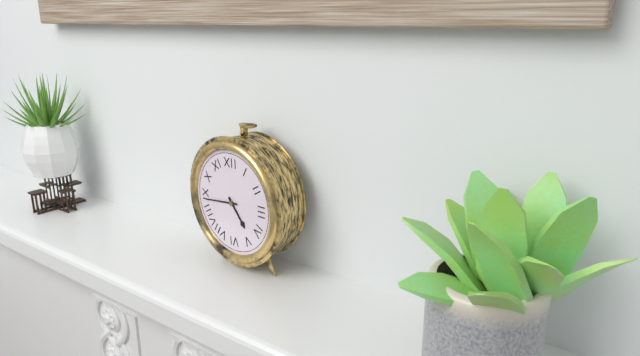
**4:44**
